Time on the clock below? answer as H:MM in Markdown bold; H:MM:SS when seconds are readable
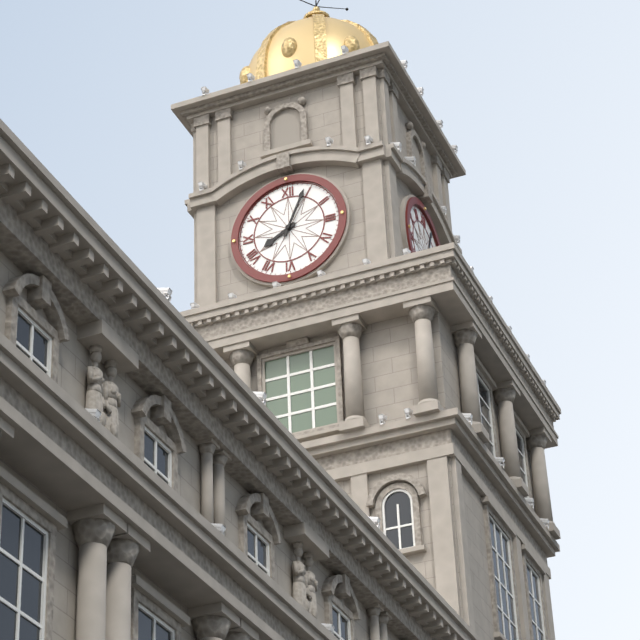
**8:04**
